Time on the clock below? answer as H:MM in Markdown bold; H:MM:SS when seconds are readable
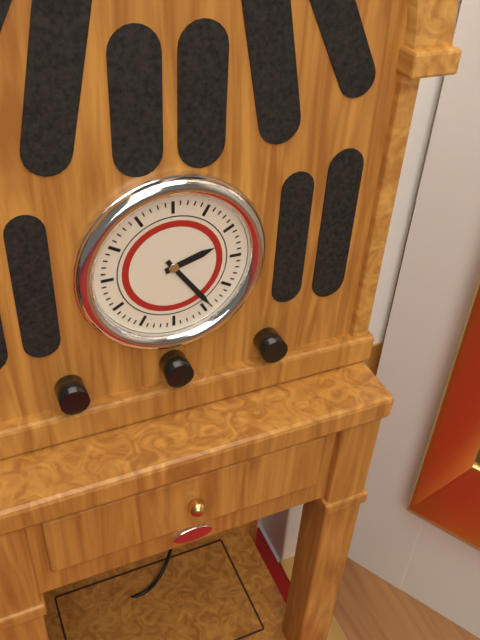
**2:24**
